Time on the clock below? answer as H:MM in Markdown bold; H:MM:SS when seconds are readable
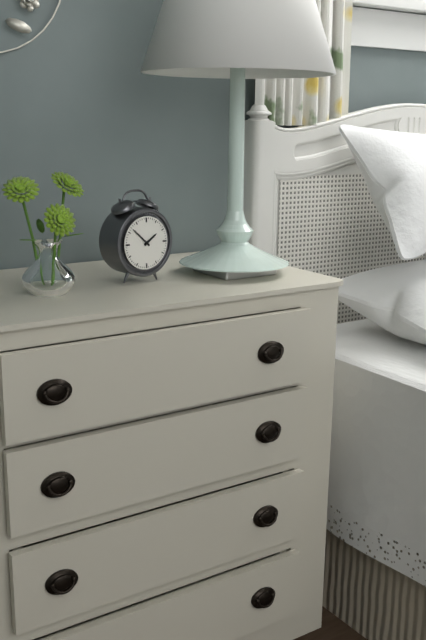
**1:52**
